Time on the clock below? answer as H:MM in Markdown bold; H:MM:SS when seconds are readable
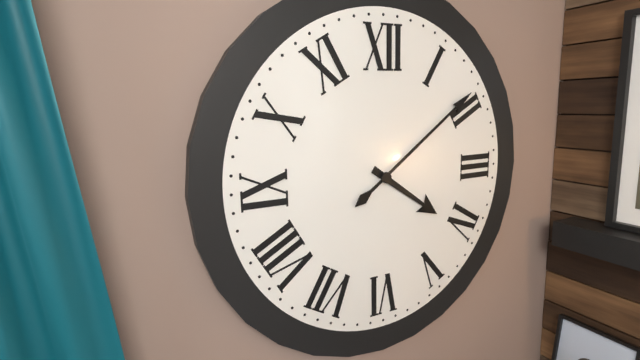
**4:09**
